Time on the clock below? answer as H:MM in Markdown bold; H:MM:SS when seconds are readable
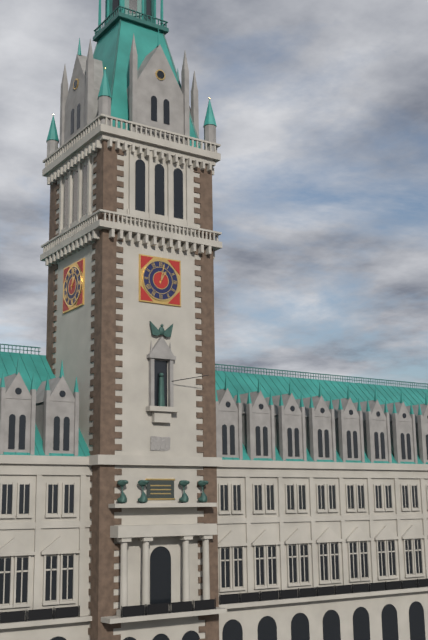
**1:02**
